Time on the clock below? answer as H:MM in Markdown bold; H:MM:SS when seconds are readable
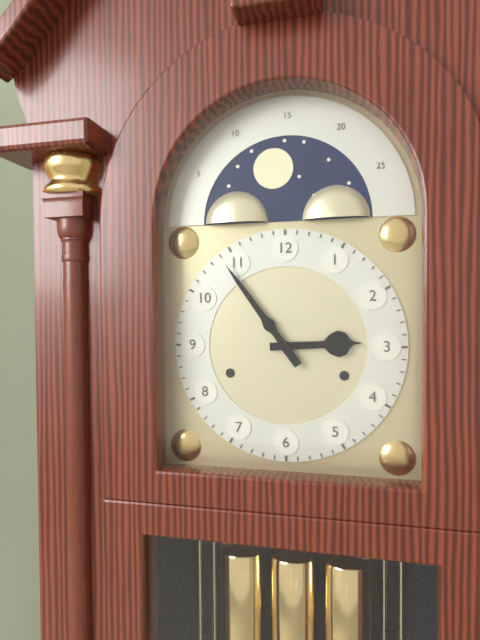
**2:54**
